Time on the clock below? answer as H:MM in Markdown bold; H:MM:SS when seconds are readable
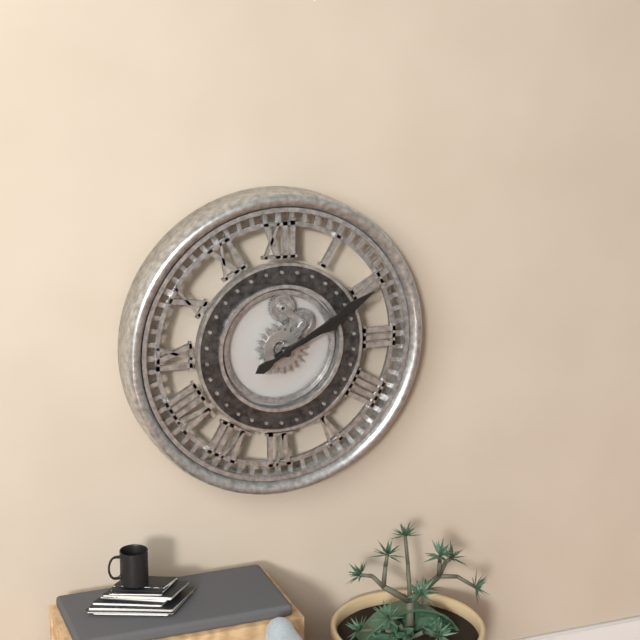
**2:10**
